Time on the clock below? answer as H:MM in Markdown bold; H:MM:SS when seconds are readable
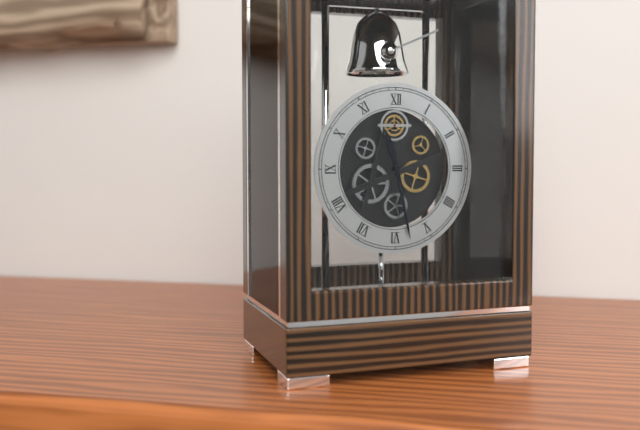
**11:28**
